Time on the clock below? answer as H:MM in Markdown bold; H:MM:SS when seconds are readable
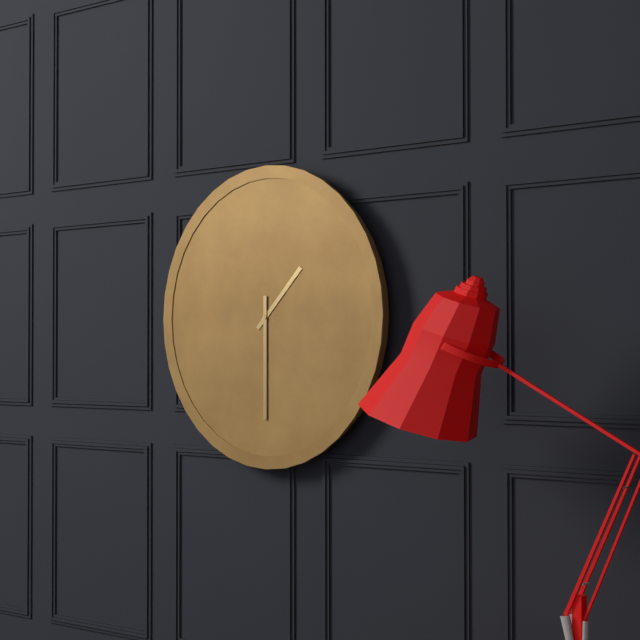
**1:30**
